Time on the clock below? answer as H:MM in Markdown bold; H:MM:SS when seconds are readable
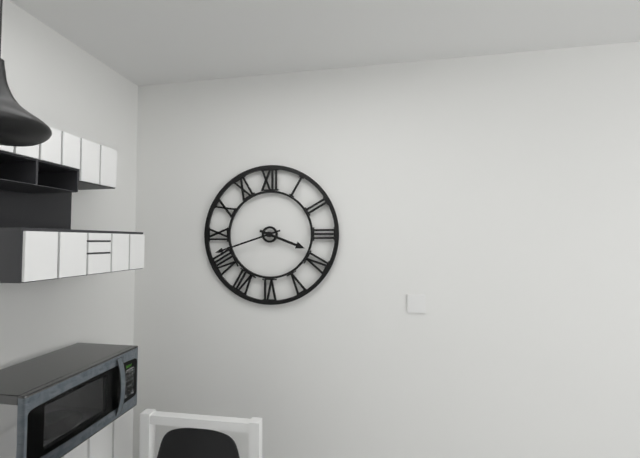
**3:42**
